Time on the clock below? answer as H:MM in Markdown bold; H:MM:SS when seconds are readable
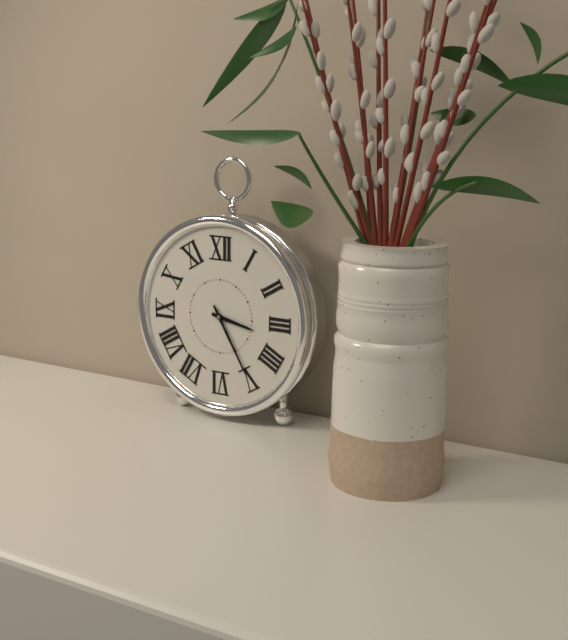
**3:25**
